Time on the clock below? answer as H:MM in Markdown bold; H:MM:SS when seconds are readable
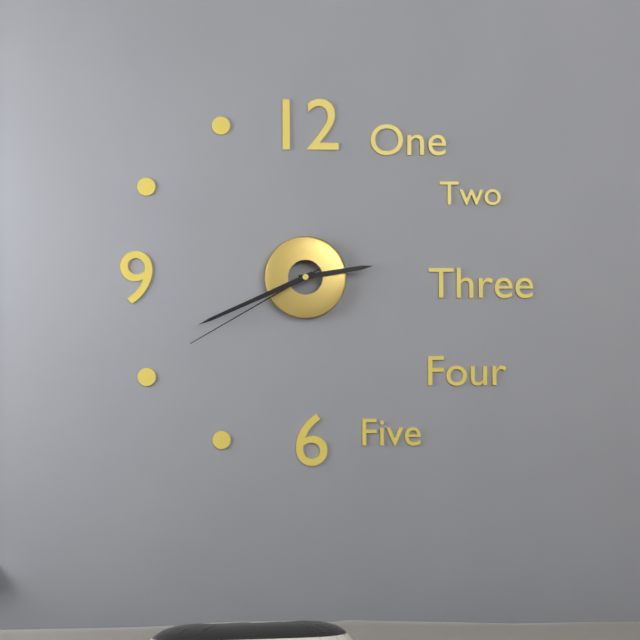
**2:41:40**
